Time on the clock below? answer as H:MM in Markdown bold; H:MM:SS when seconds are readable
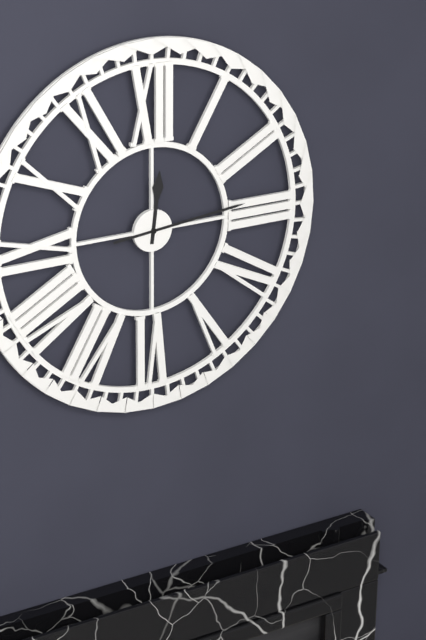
**12:14**
